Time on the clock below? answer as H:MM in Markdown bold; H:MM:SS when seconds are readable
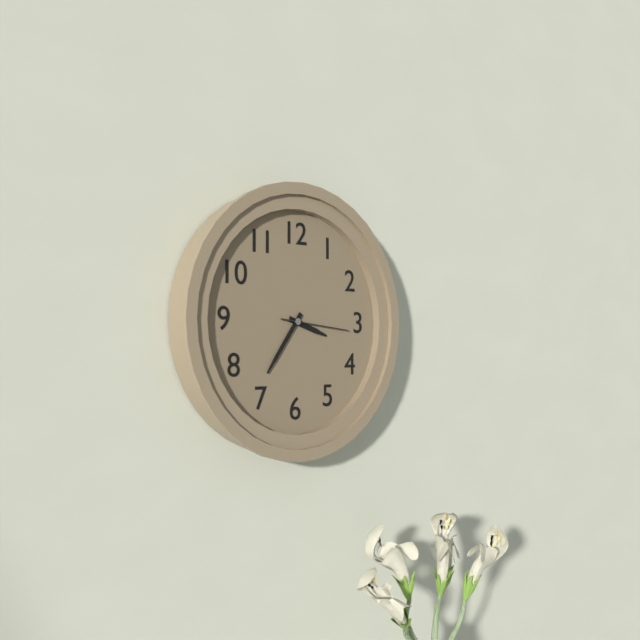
**3:36:16**
